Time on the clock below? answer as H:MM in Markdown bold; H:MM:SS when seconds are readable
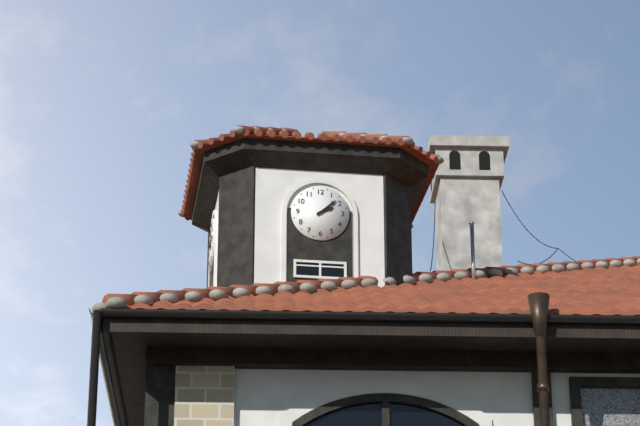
**2:08**
